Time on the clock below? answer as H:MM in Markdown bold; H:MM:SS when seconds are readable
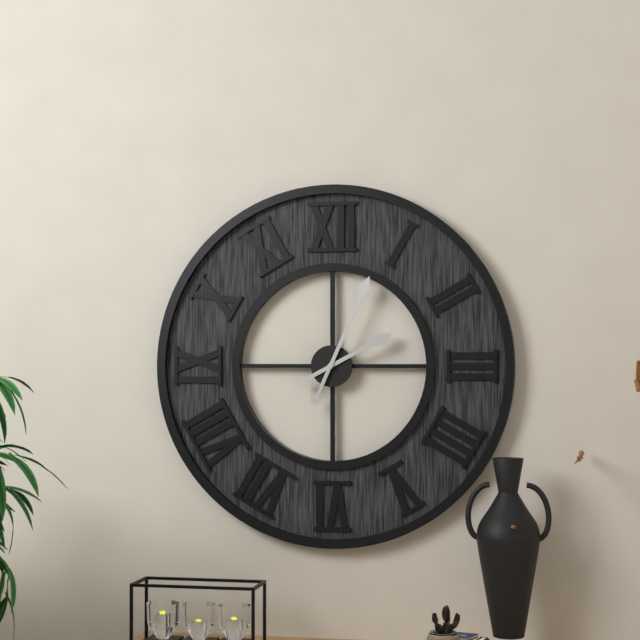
**2:04**
